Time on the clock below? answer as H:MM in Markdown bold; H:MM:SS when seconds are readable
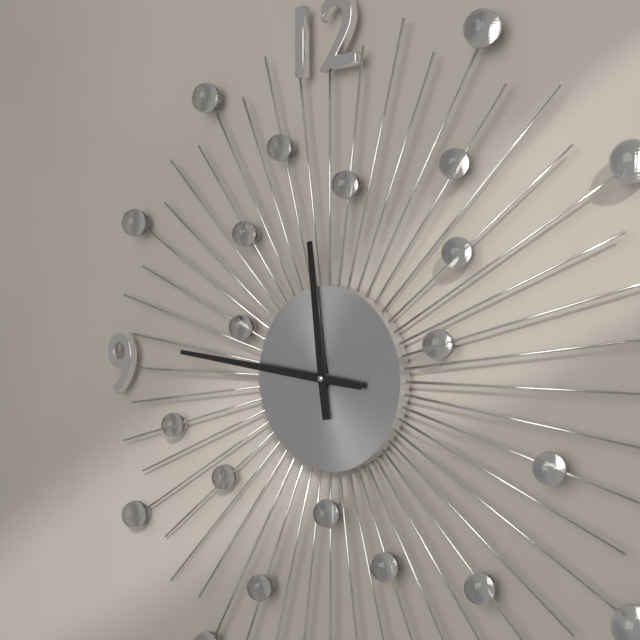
**11:46**
